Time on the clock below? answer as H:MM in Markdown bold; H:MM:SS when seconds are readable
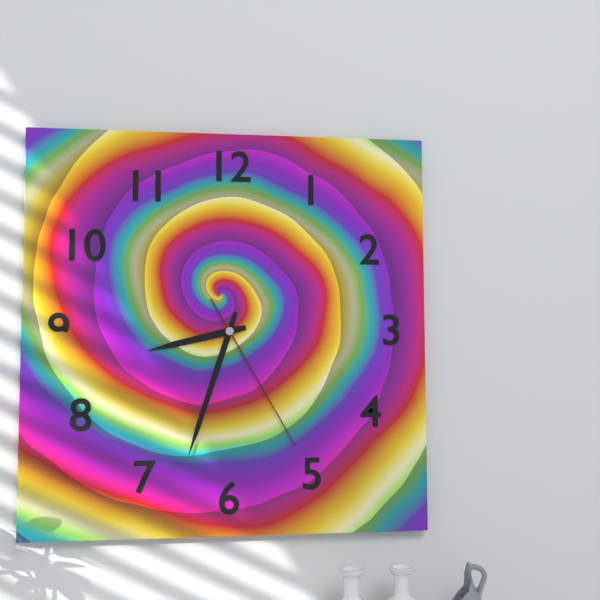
**8:33:25**
